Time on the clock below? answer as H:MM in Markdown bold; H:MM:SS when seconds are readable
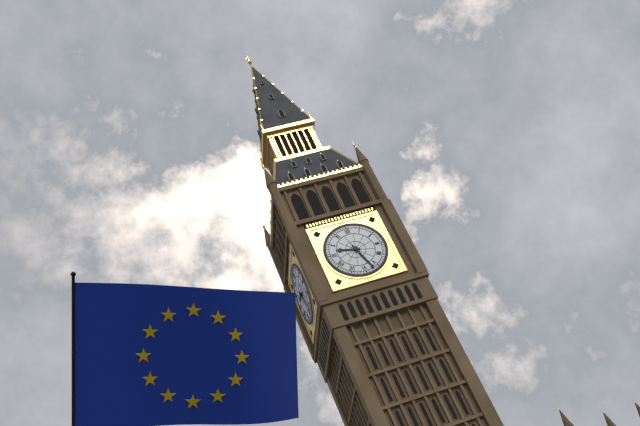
**9:27**
